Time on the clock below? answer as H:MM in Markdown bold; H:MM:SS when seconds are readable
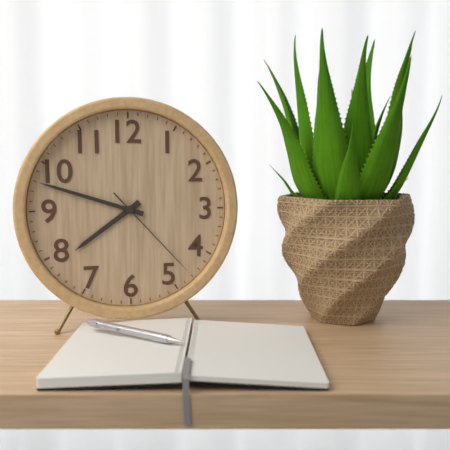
**7:48:23**
